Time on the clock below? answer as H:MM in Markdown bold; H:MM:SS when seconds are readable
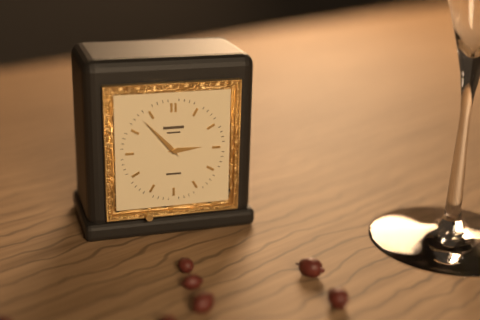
**2:53**
